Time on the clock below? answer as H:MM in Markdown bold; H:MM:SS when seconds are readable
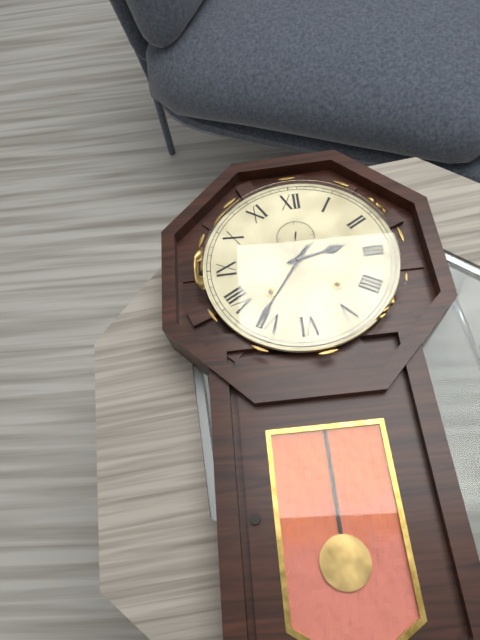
**2:36**
